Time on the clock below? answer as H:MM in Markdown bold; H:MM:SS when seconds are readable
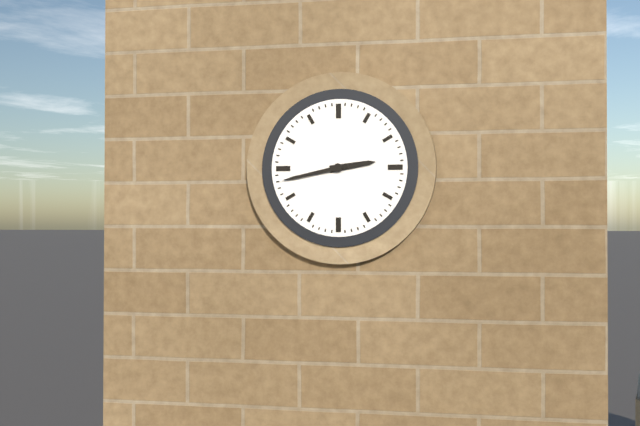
**2:43**
